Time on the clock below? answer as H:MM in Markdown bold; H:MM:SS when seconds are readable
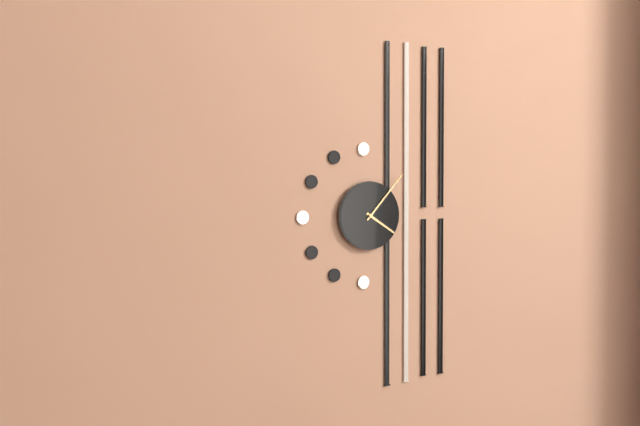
**4:07**
